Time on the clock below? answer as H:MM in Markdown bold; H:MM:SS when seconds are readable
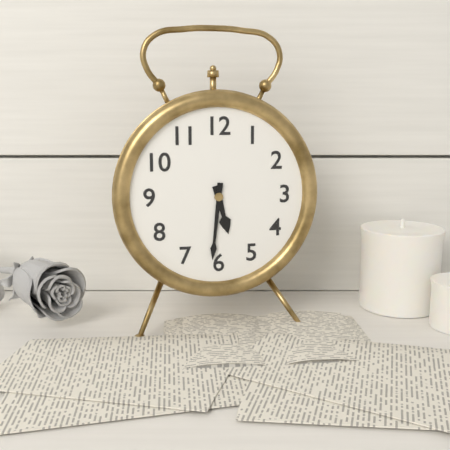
**5:31**
